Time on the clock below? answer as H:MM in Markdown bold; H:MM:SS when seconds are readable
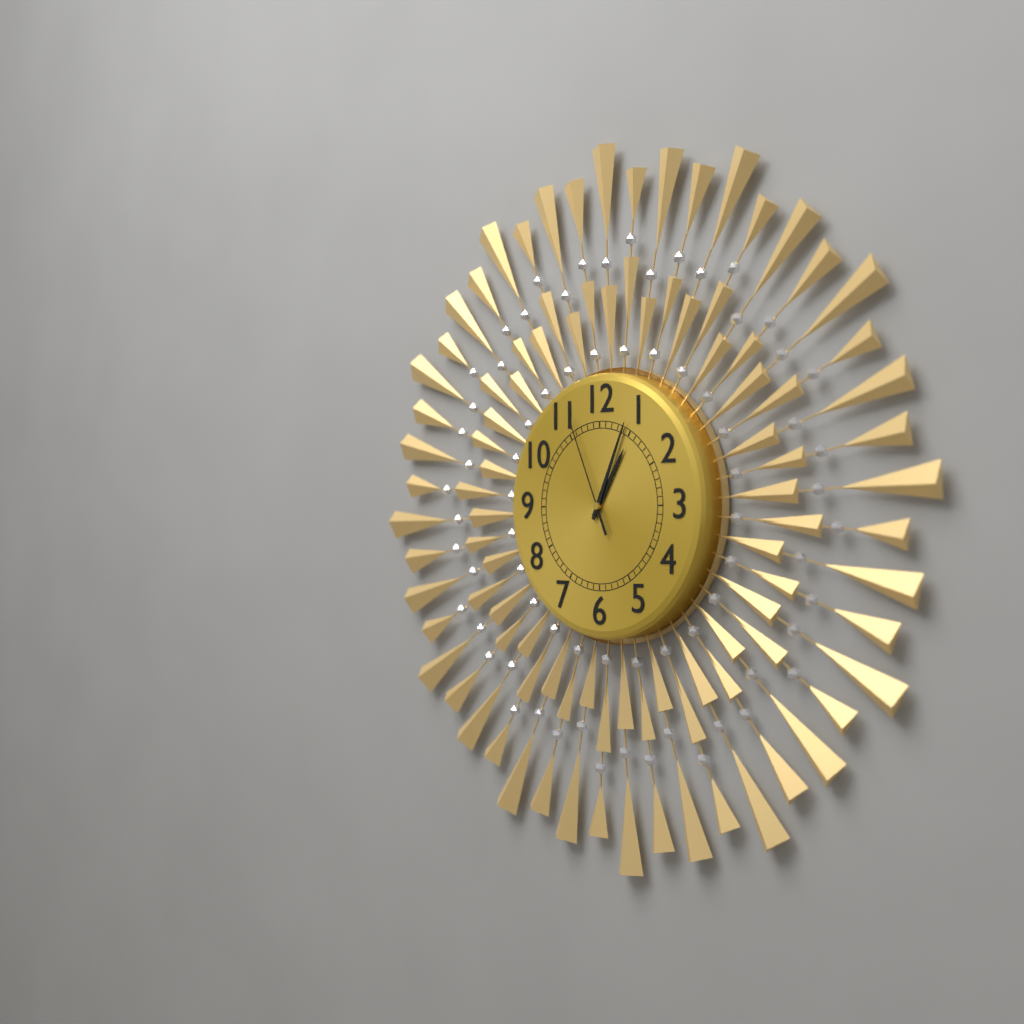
**1:04:56**
